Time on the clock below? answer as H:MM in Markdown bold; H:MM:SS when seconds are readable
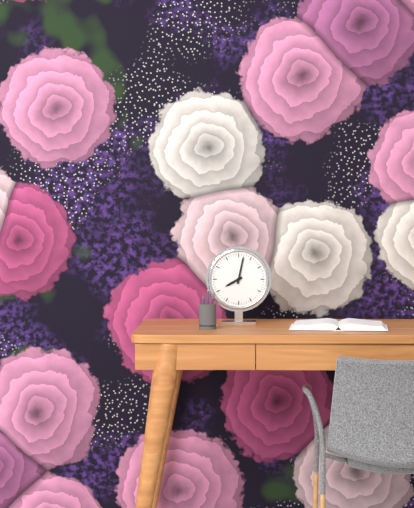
**8:02**
